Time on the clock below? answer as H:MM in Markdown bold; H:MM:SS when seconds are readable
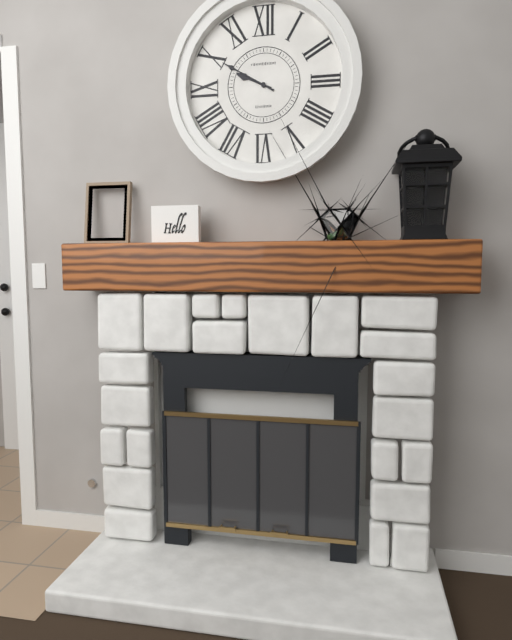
**9:50**
